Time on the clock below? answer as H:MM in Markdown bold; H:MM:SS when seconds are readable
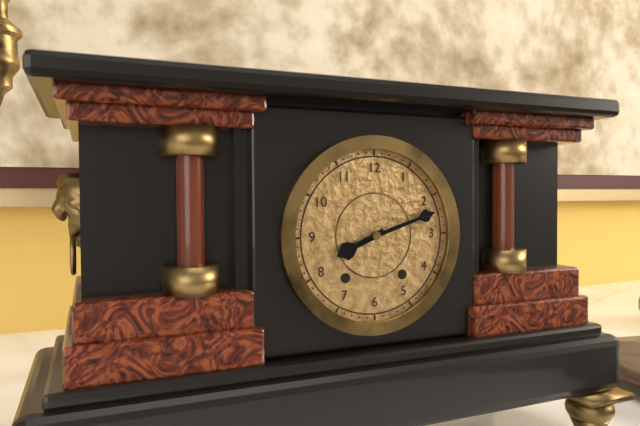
**8:12**
